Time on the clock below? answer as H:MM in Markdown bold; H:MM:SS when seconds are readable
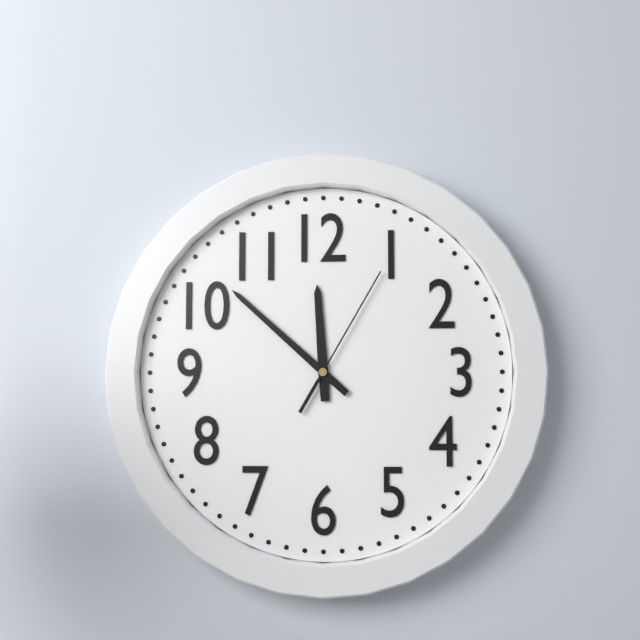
**11:52:05**
